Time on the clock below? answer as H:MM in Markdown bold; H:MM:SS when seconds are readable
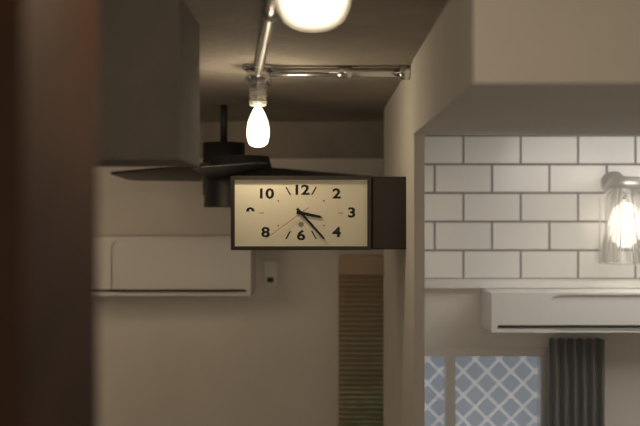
**3:23:39**
